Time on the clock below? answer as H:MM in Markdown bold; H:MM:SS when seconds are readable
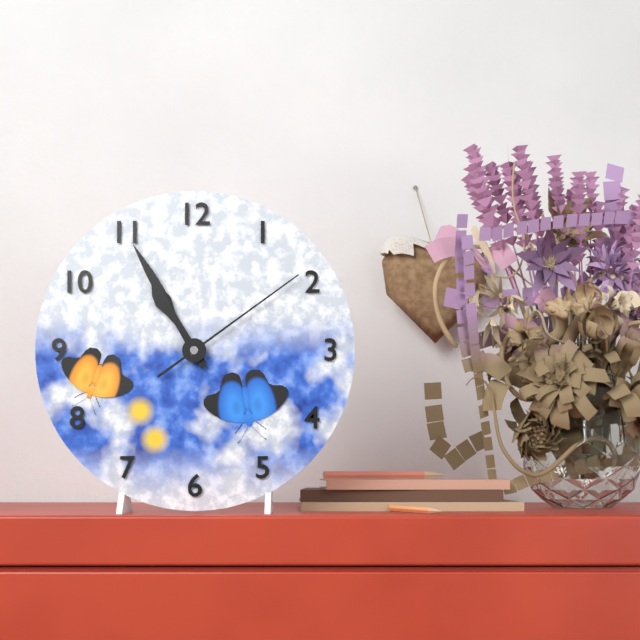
**10:55:09**
